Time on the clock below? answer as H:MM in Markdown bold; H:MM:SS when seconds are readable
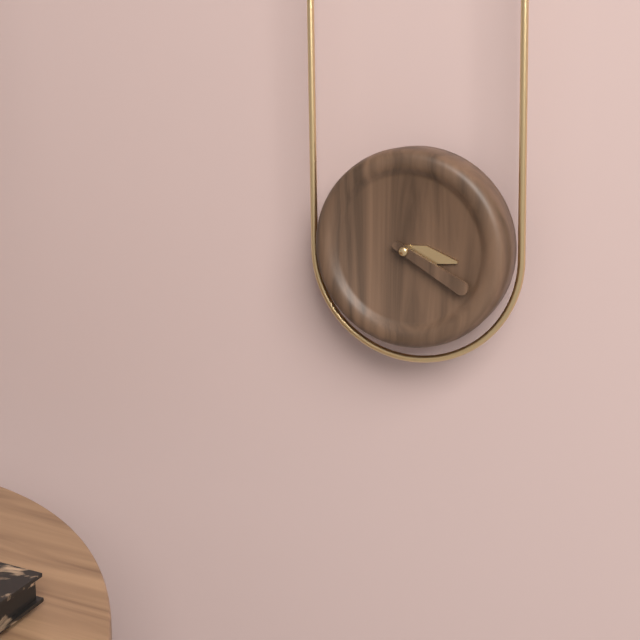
**3:20**
